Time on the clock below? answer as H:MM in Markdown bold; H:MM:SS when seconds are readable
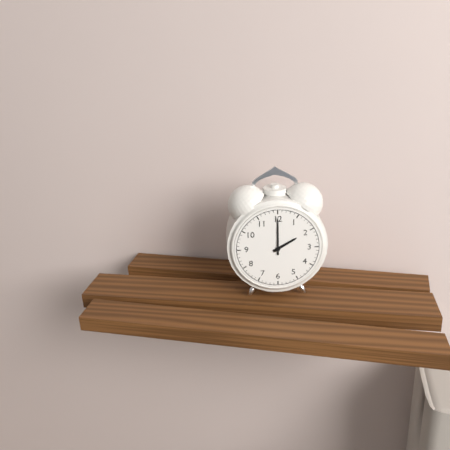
**2:00**
